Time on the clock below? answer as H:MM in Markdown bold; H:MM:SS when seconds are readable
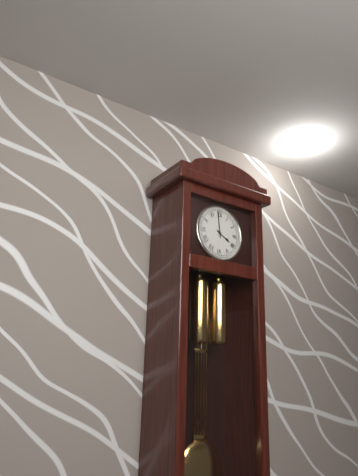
**3:59**
